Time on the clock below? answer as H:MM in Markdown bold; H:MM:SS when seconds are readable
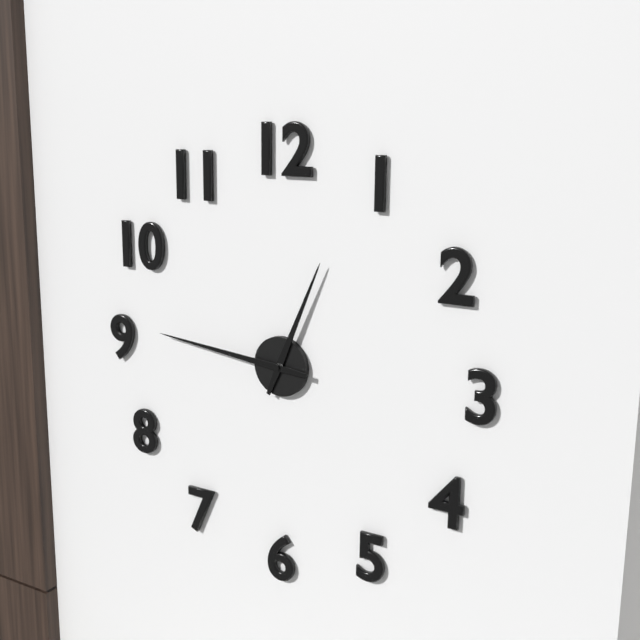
**12:46**
